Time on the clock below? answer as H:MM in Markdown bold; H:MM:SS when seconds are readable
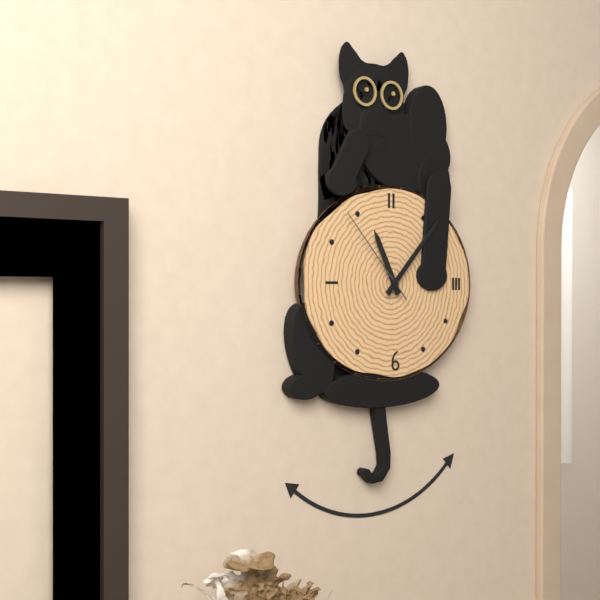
**11:07:53**
